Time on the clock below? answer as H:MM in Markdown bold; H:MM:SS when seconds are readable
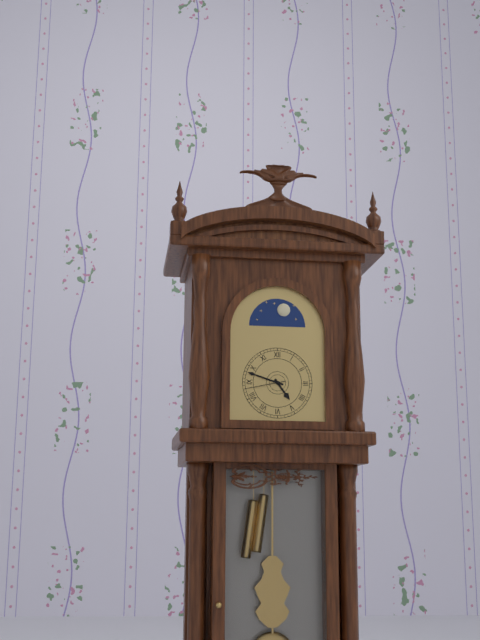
**4:48**
